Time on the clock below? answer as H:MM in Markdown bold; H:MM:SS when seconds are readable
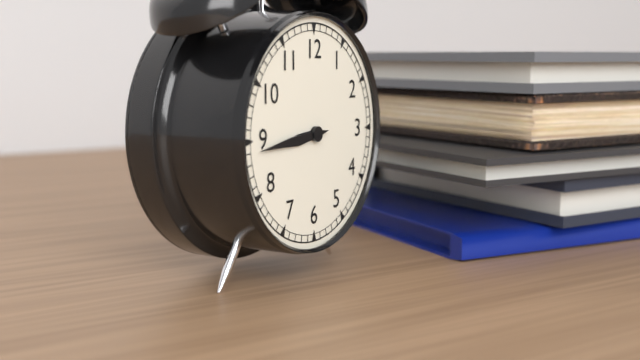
**8:44**
